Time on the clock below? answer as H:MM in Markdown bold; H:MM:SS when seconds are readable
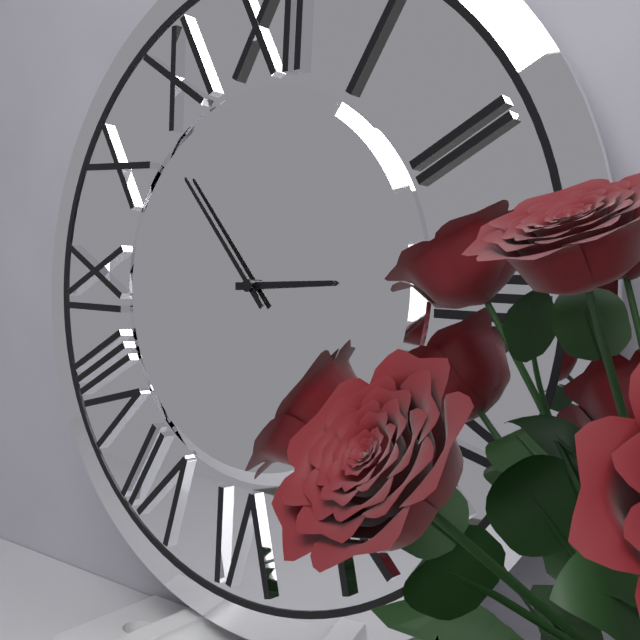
**2:53**
